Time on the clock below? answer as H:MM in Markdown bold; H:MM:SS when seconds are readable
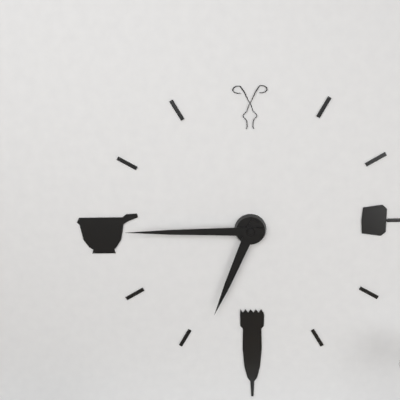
**6:45**
